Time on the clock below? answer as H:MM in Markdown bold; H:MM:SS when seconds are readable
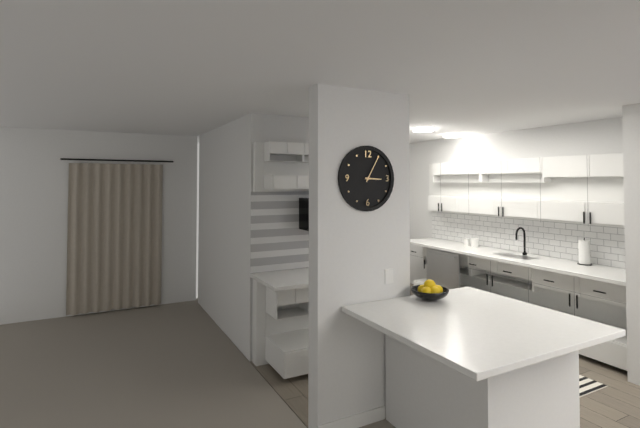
**3:05**
